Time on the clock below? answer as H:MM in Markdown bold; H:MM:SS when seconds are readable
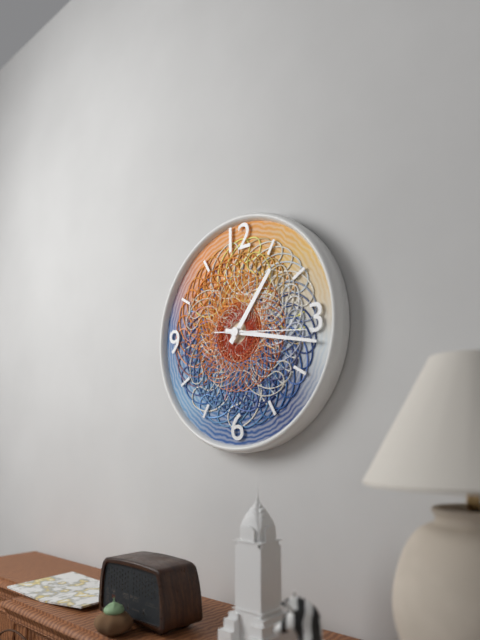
**1:17:16**
